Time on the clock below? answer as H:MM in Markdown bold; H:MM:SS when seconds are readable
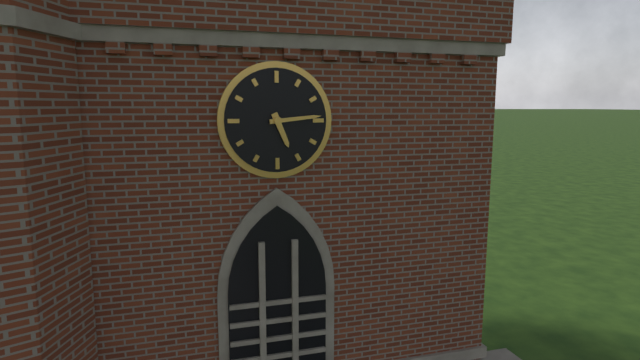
**5:14**
